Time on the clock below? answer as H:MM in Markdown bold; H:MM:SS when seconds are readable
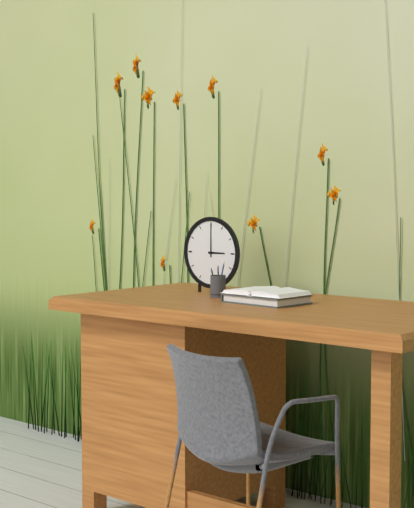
**3:00**
